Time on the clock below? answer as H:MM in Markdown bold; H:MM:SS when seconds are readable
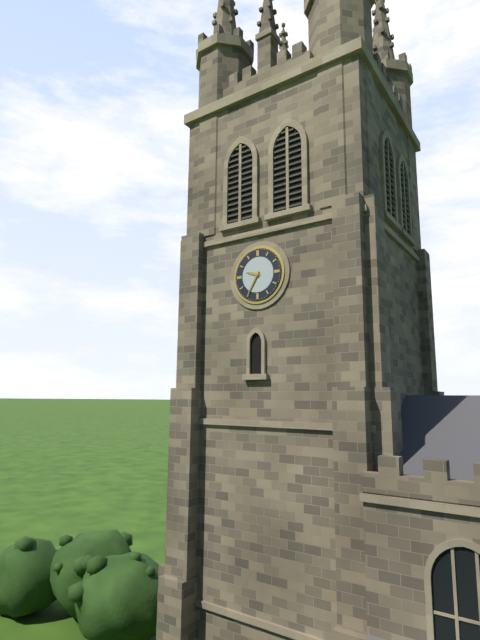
**9:35**
